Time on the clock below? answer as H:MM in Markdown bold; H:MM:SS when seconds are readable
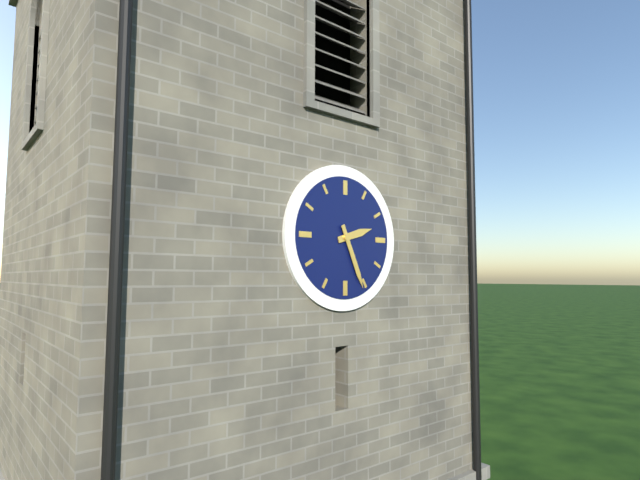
**2:26**
